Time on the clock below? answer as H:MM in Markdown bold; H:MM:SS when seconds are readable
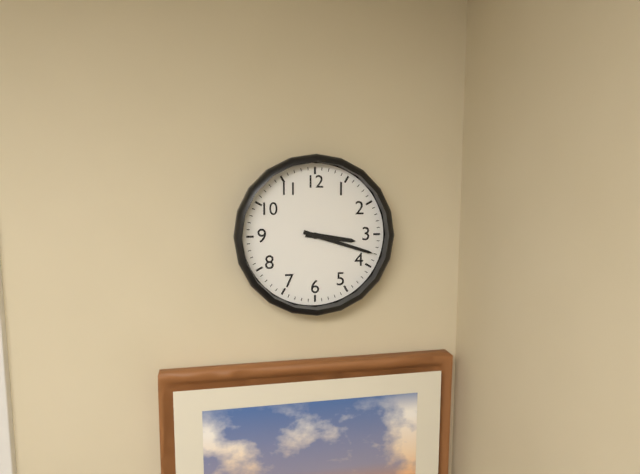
**3:18**
